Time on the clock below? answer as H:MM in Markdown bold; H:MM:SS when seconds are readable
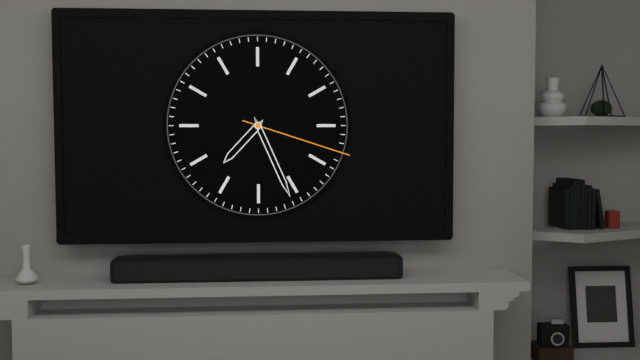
**7:26:18**
